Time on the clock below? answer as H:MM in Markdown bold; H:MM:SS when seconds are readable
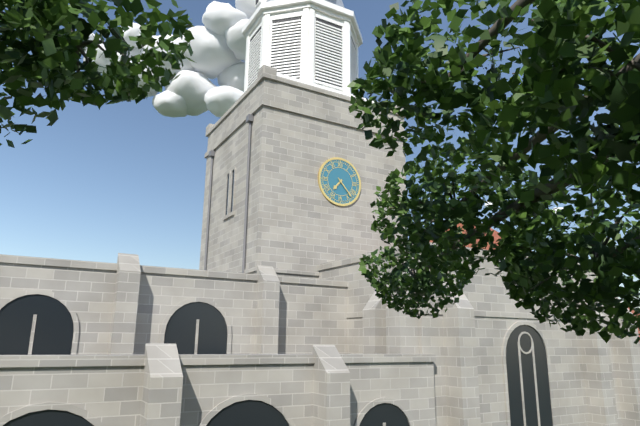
**7:23**
